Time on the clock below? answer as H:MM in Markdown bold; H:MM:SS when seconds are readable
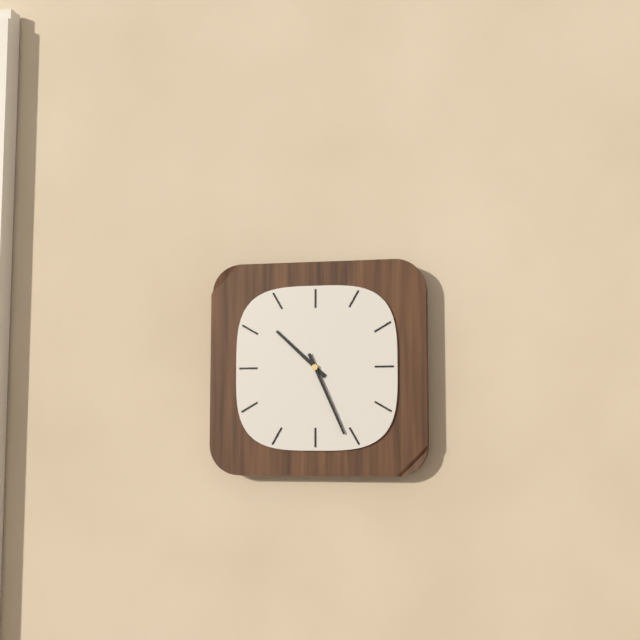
**10:26**
